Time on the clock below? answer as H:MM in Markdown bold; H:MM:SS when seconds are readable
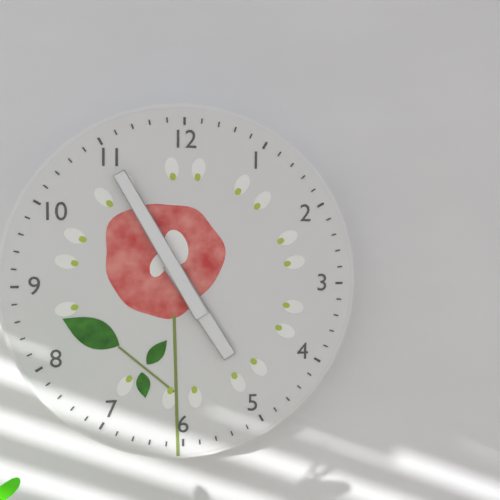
**4:55**
